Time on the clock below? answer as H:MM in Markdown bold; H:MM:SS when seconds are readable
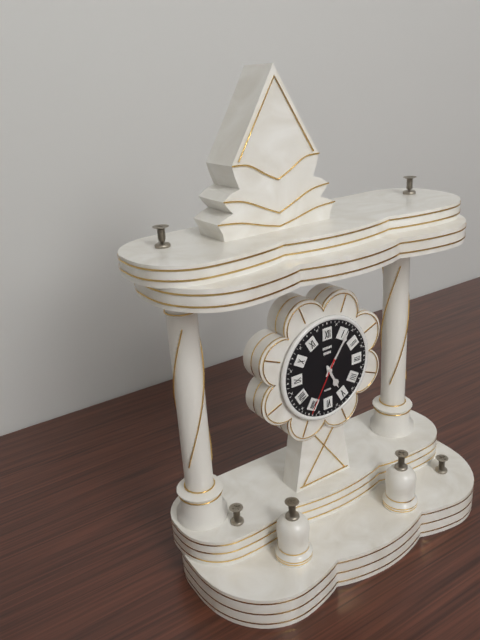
**5:06:35**
